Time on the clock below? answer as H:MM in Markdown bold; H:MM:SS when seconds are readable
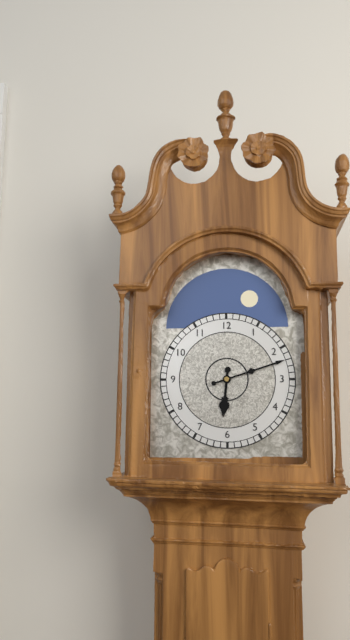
**6:12**
